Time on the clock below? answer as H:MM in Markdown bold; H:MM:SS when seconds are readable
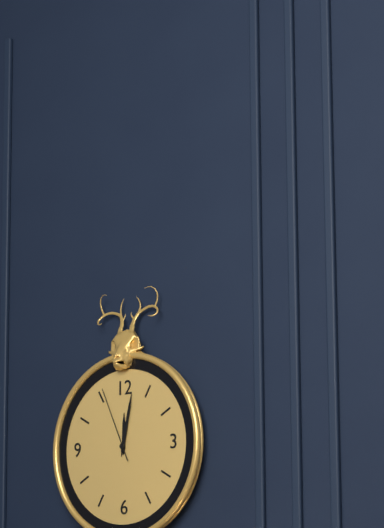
**12:02:56**
